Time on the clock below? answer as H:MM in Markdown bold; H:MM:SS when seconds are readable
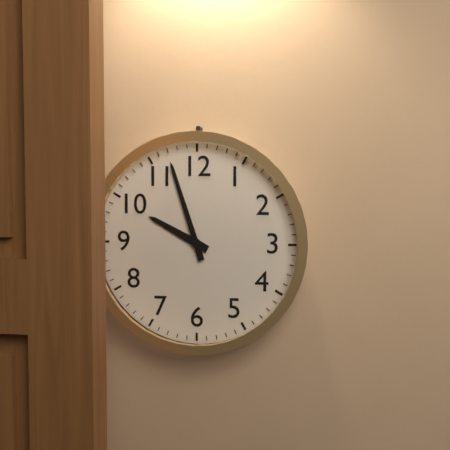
**9:57**
